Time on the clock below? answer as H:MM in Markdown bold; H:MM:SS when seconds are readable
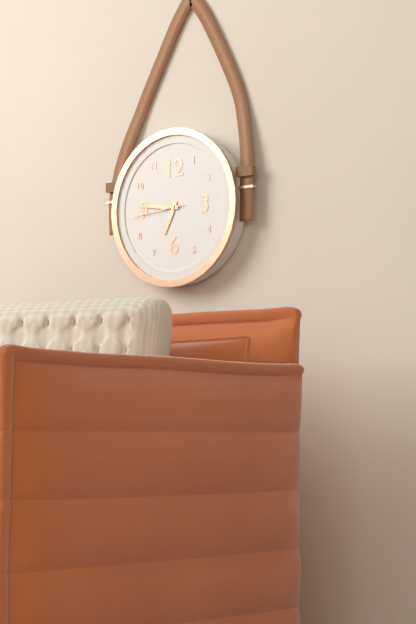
**6:46:44**
